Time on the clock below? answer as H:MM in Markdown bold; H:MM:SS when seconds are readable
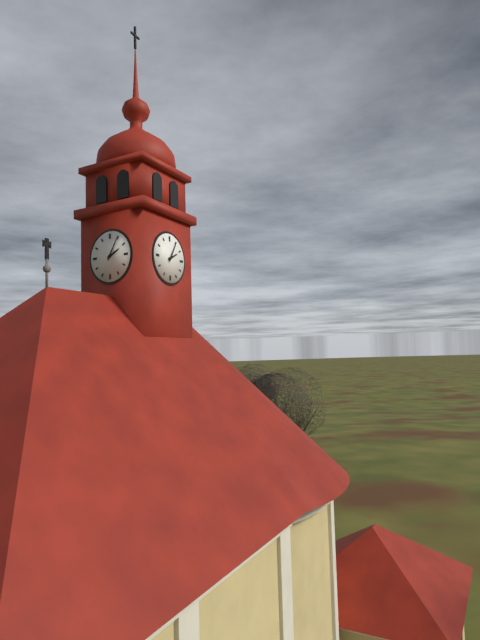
**2:05**
